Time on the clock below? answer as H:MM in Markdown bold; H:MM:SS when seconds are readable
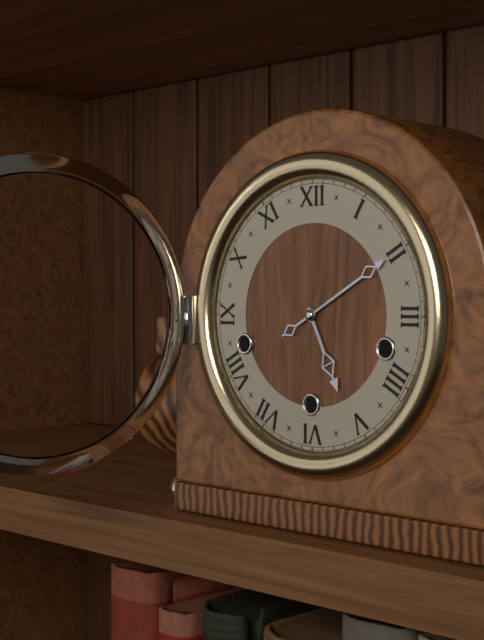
**5:10**
